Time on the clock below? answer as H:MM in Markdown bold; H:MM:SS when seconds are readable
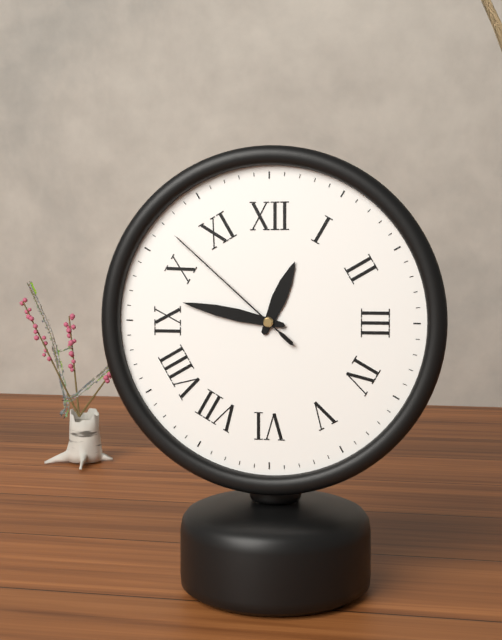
**12:47:52**
